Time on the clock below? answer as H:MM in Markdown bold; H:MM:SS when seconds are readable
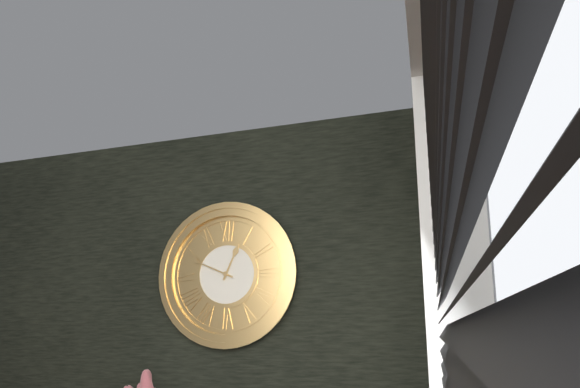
**12:49**
